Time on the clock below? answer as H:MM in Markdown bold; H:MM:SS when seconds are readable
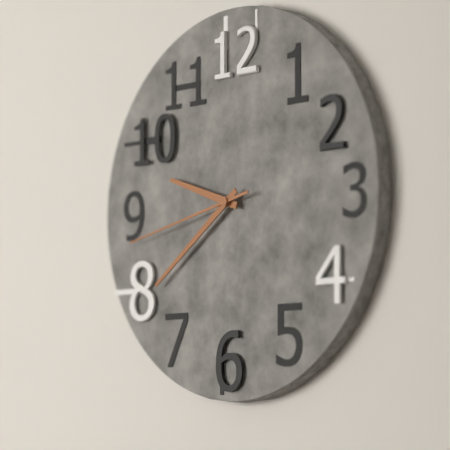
**9:39:43**
